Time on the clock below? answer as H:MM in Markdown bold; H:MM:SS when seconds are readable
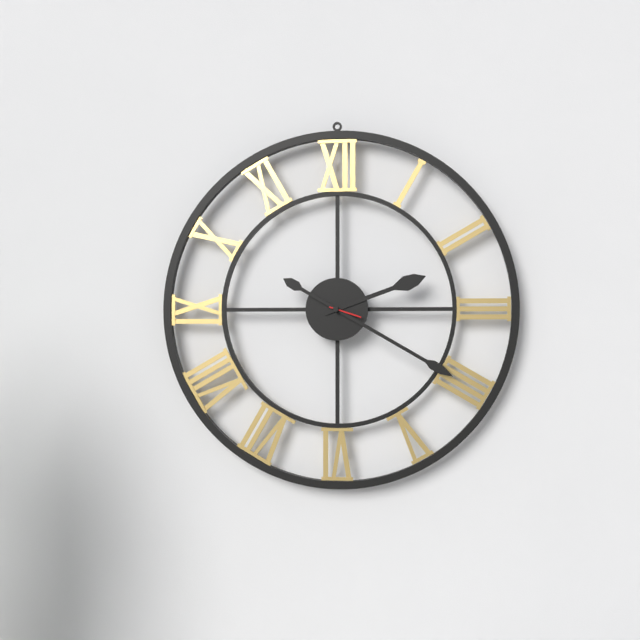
**2:20**
